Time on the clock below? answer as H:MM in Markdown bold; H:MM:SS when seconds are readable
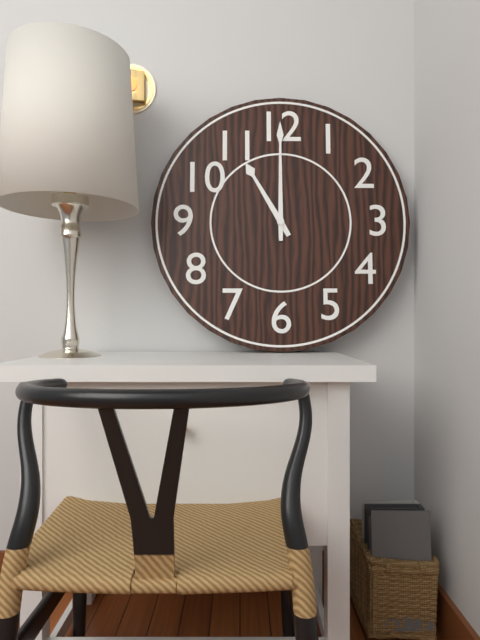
**11:00**
